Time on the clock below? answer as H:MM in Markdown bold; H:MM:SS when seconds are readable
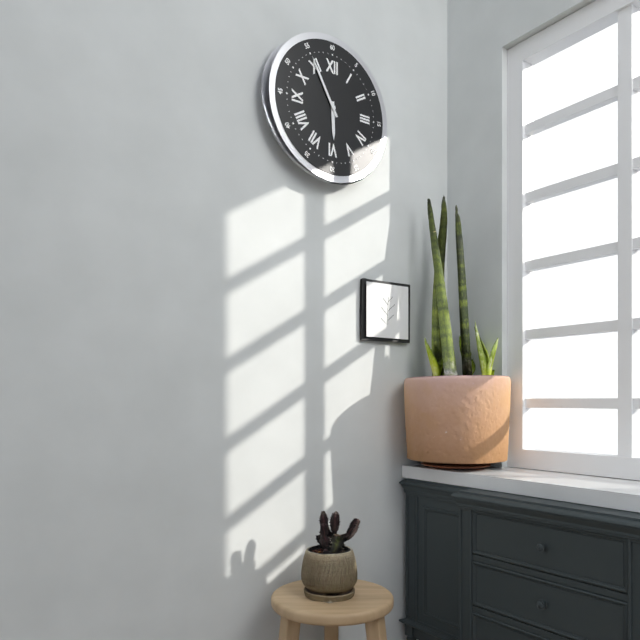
**5:55**
